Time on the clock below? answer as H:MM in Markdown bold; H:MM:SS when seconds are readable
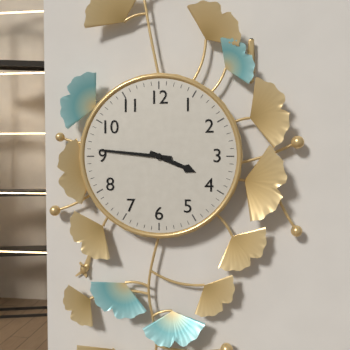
**3:46**
